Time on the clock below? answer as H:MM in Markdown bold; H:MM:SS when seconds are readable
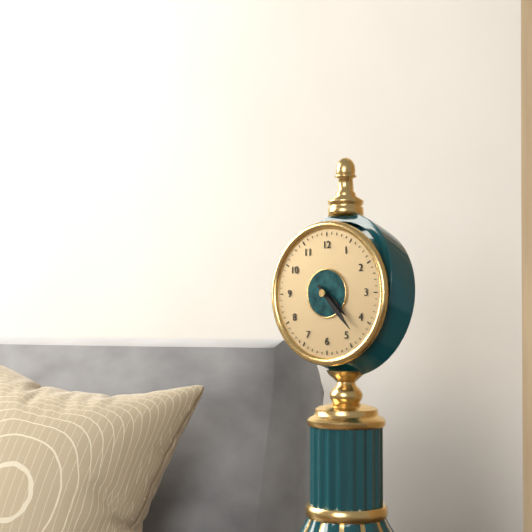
**4:23**
